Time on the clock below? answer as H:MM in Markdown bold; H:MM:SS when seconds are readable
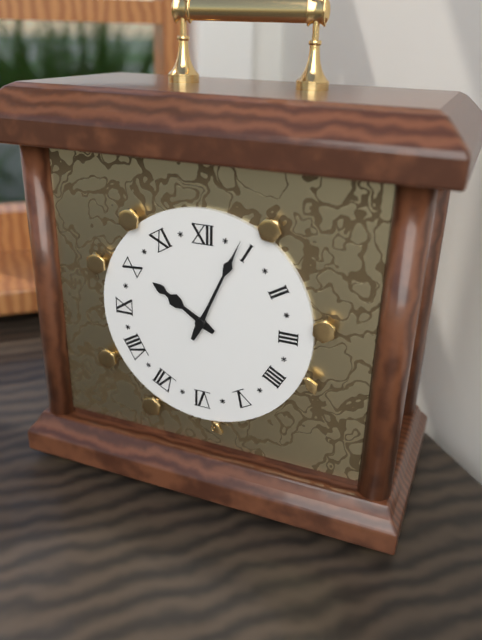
**10:04**
